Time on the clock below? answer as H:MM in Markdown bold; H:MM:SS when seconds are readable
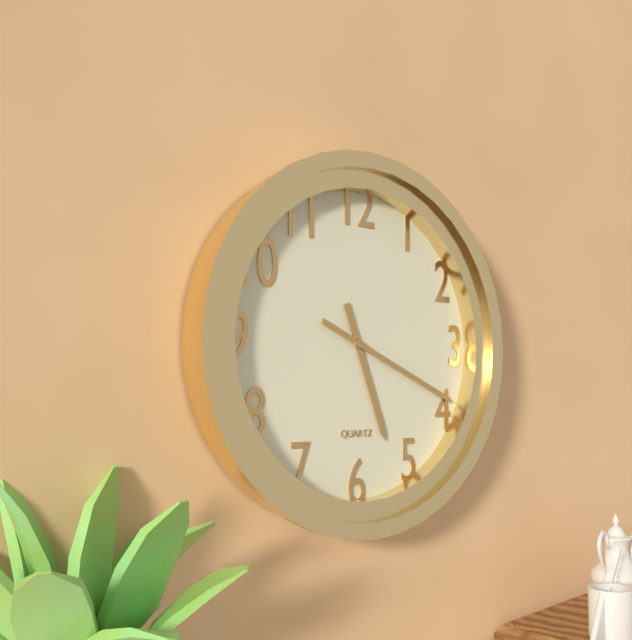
**5:19**
